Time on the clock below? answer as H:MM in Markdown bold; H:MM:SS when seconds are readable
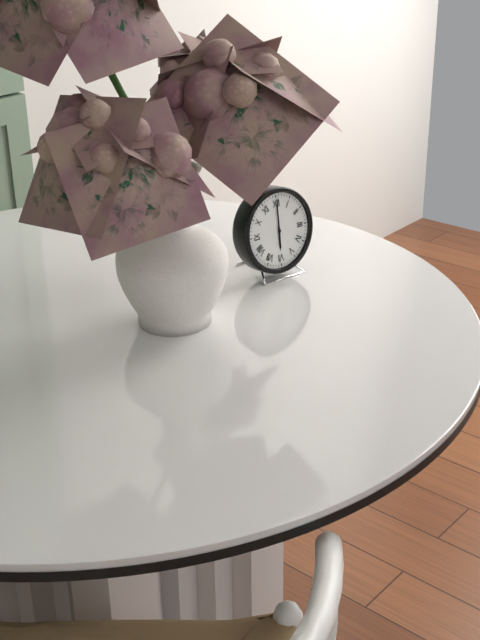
**6:00**
